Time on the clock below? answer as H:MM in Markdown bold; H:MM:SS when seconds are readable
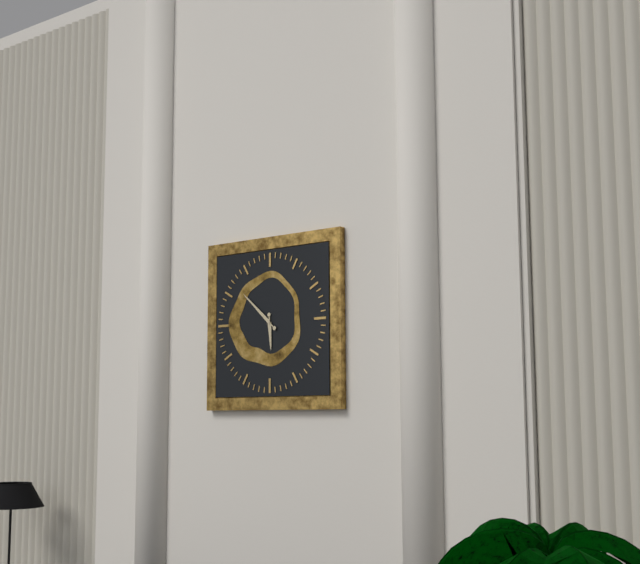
**5:52**
